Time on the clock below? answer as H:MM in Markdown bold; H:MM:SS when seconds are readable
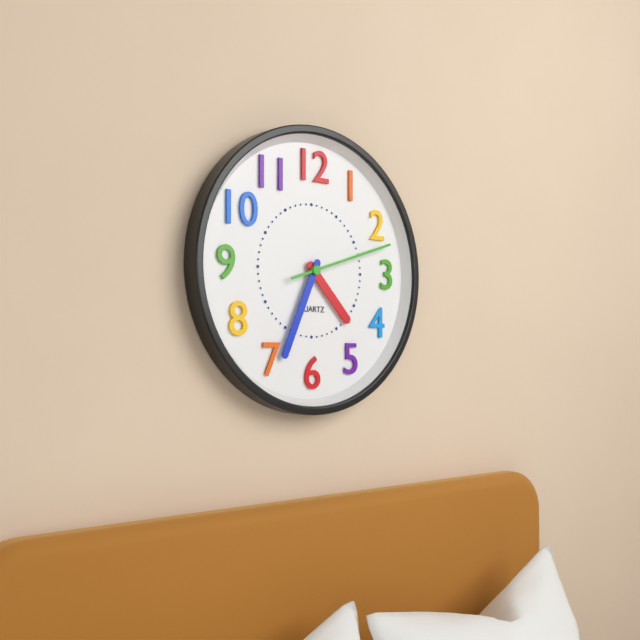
**4:34:12**
